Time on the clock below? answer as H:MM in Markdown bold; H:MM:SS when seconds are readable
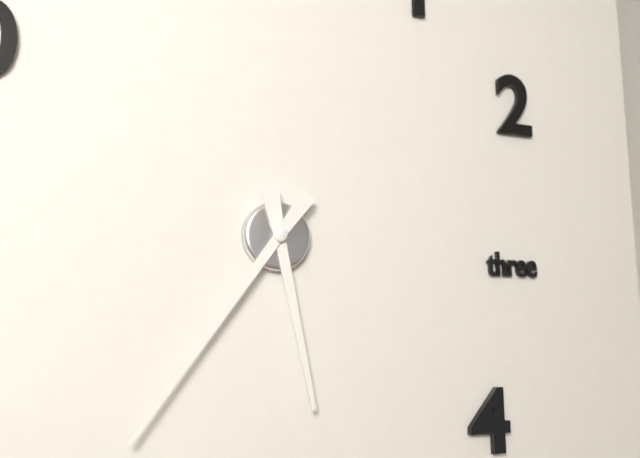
**5:36**
